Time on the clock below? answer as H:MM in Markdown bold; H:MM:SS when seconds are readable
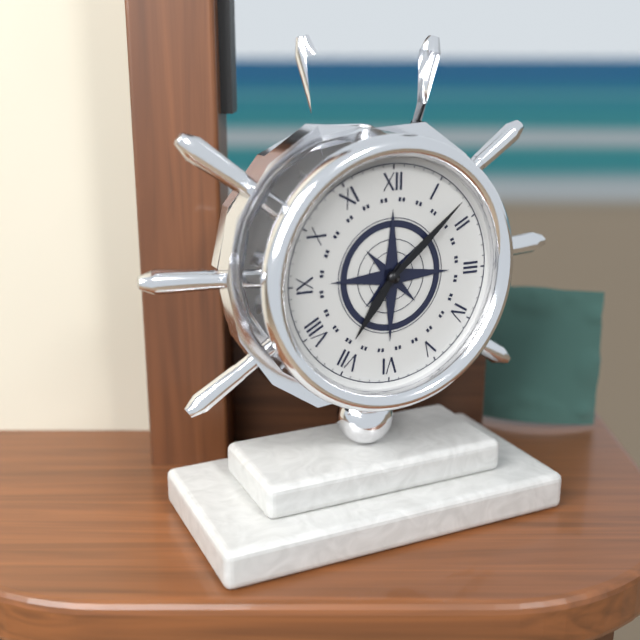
**7:08**
